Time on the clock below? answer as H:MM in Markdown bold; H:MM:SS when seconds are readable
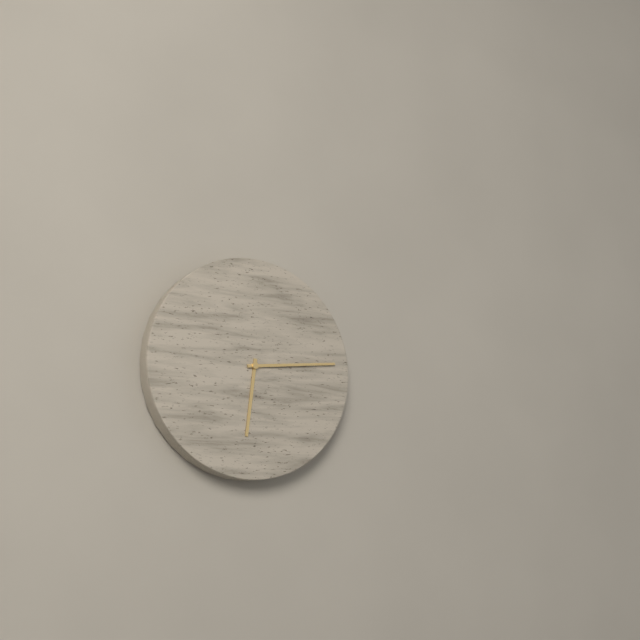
**6:14**
